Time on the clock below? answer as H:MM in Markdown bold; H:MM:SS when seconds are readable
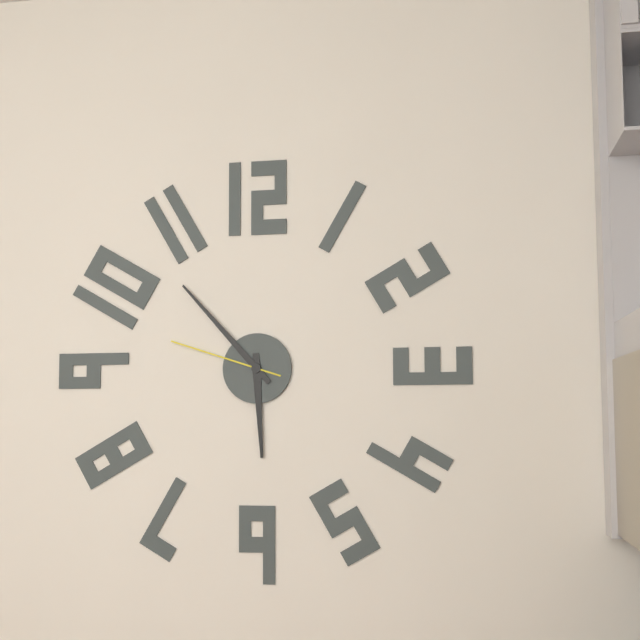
**5:53:48**
